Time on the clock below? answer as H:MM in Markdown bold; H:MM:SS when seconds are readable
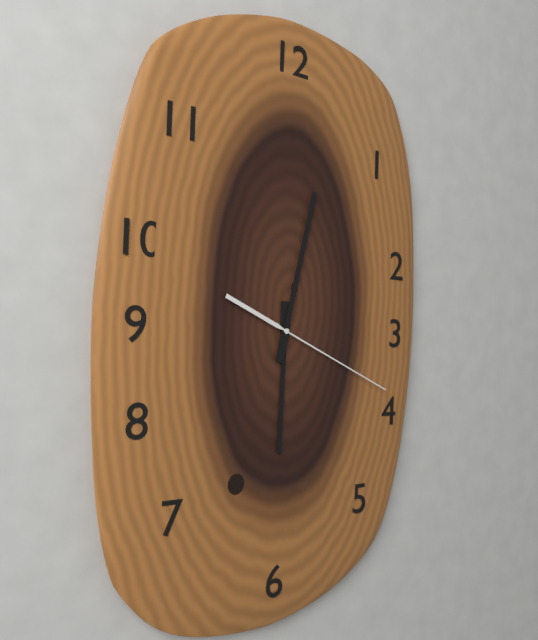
**6:02:19**
